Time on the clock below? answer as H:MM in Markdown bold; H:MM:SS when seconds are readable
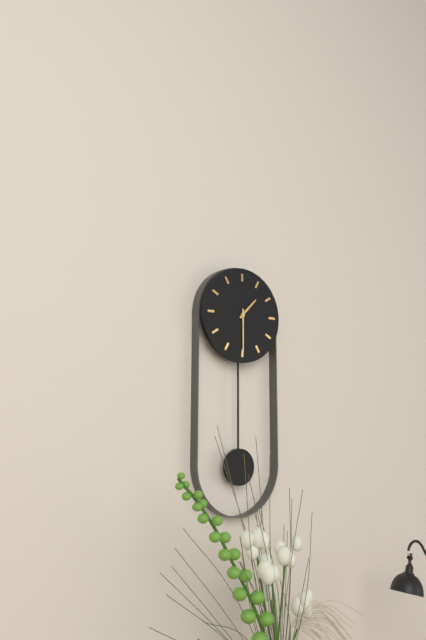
**1:30**
